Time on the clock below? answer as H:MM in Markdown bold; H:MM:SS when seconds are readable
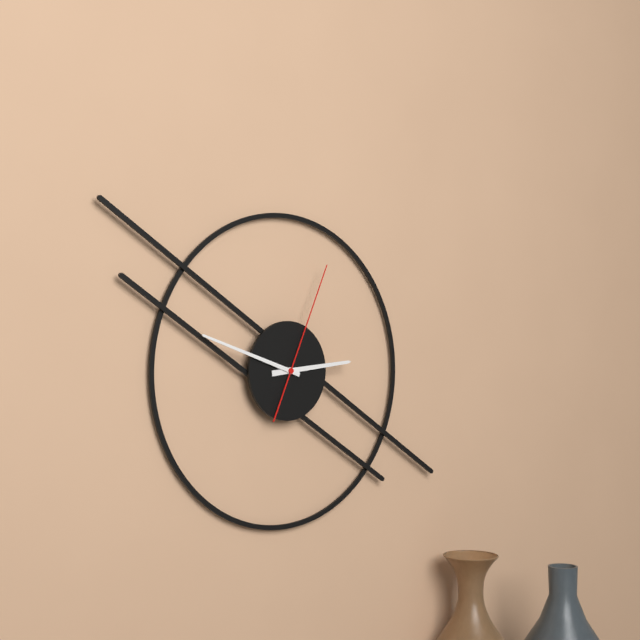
**2:48:04**
